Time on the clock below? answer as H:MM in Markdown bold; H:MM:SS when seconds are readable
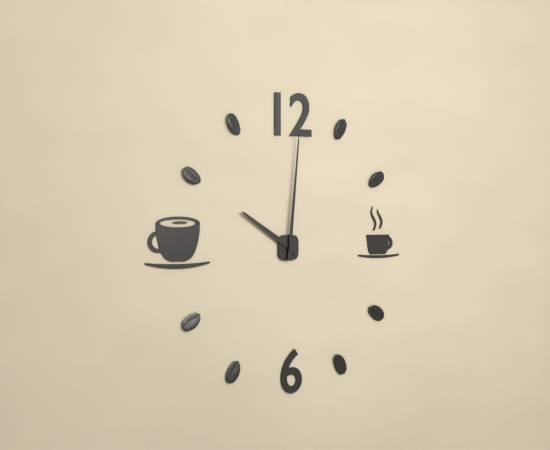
**10:01**
